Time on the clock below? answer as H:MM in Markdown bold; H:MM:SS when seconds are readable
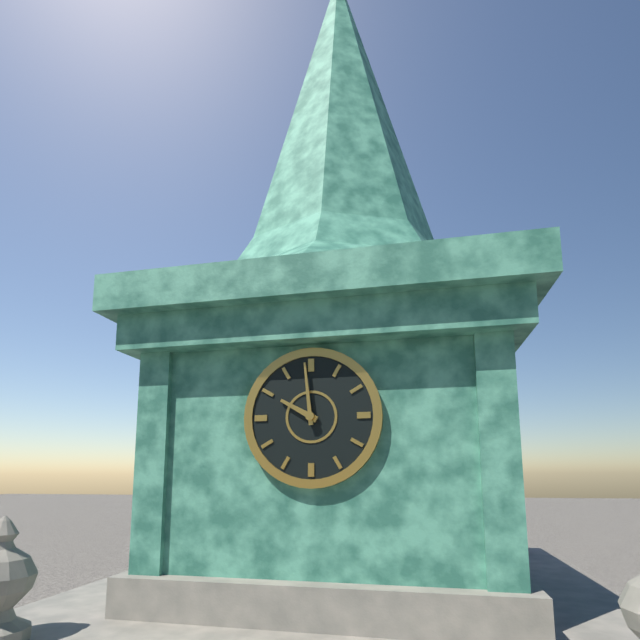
**9:59**
